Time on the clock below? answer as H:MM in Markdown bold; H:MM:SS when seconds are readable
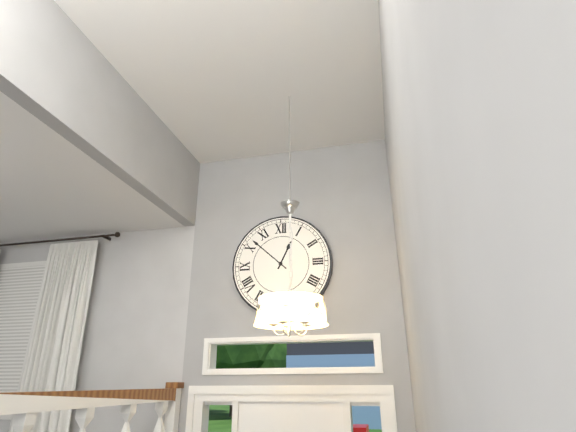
**12:52**
